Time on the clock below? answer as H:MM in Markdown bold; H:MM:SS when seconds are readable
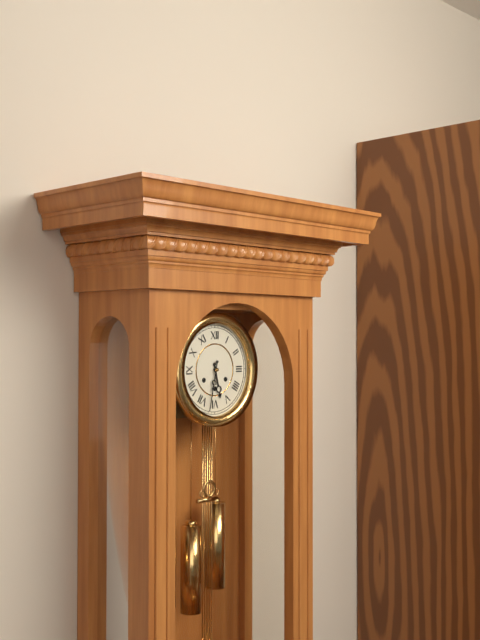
**5:32**
